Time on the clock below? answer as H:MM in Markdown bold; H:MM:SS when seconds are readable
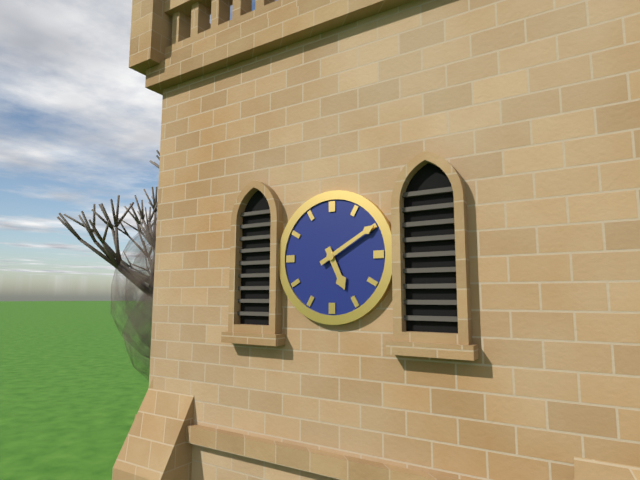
**5:10**
